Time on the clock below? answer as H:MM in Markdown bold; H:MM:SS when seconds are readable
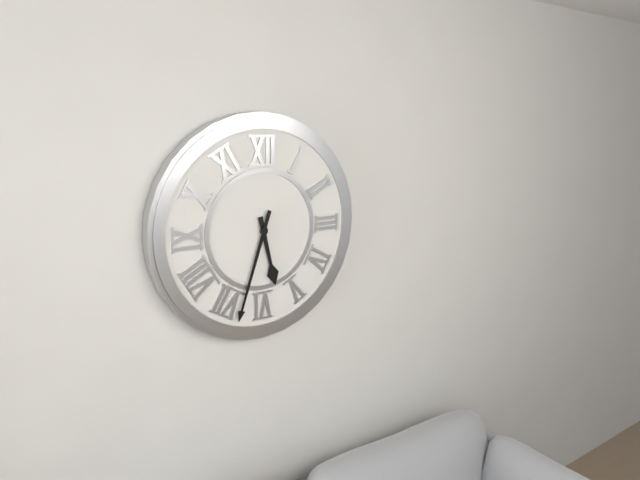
**5:33**
